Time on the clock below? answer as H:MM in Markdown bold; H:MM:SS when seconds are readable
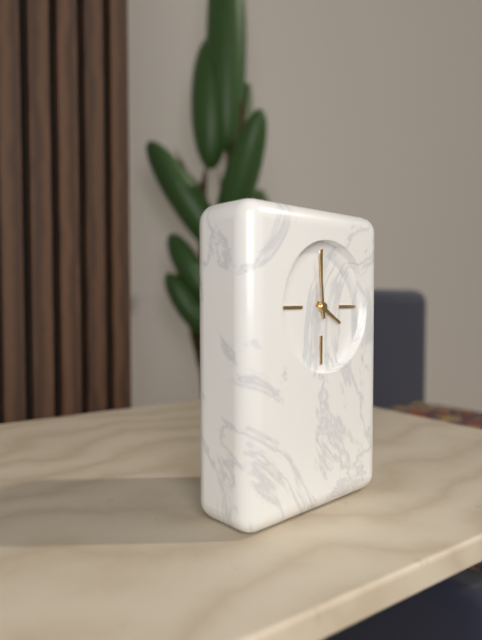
**3:59**
